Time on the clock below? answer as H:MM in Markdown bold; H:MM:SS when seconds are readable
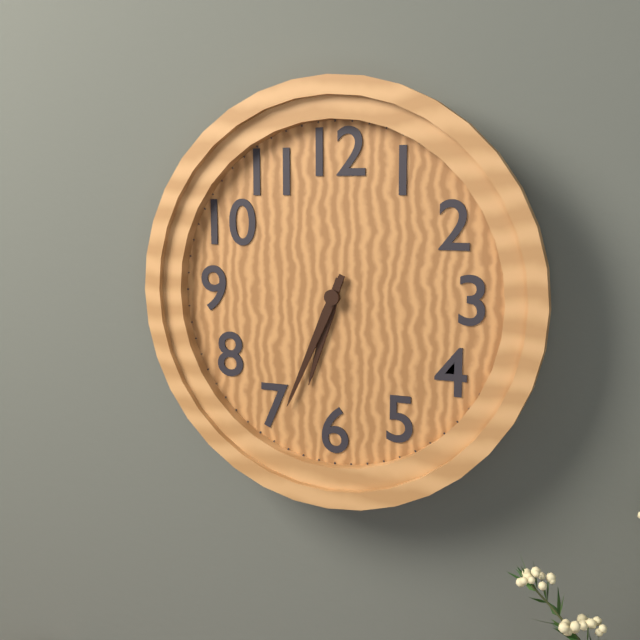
**6:34**
